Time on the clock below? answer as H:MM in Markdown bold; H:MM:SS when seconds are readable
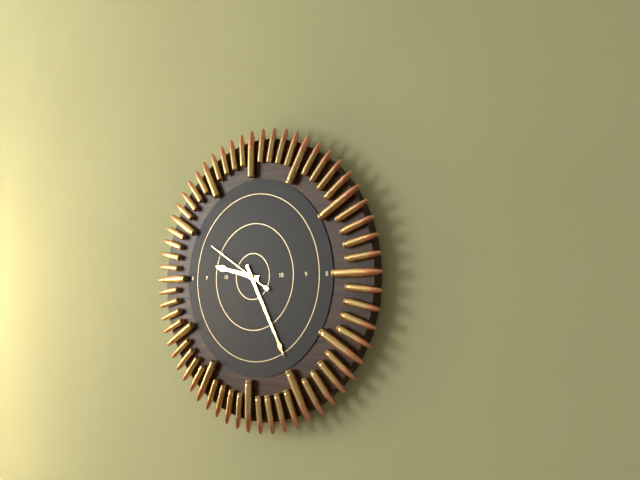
**9:25:50**
